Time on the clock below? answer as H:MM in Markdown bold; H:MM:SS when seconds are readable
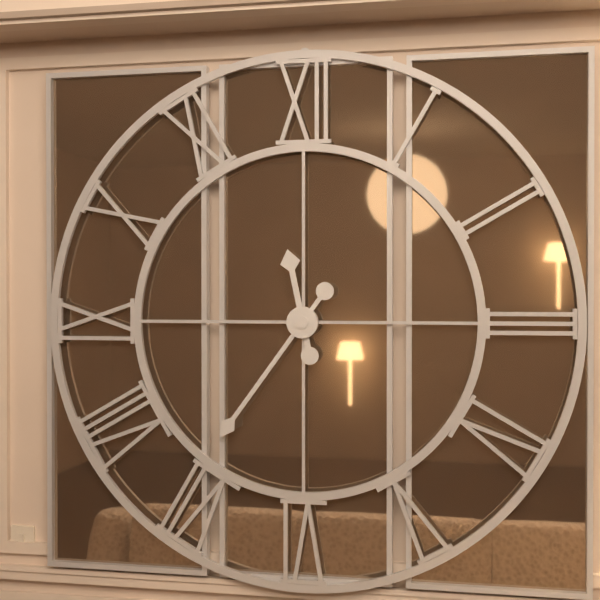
**11:36**
